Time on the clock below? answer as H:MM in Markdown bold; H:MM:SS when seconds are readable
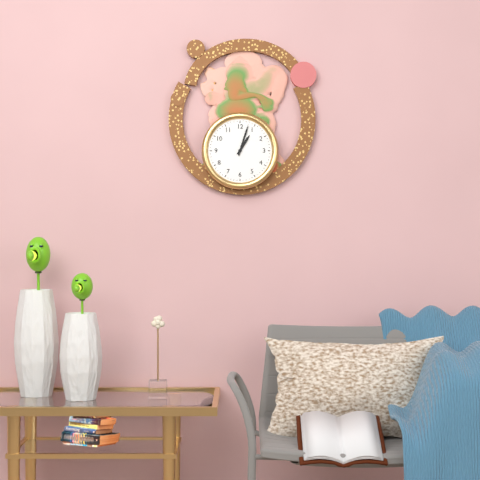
**1:03**
